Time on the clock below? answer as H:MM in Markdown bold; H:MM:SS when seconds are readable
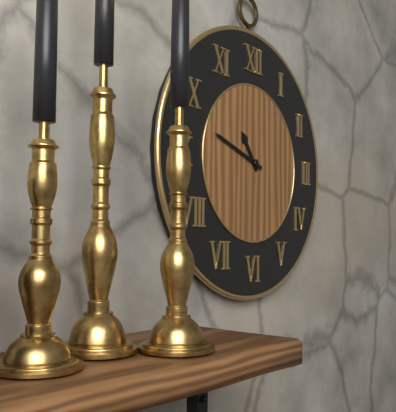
**10:48**
